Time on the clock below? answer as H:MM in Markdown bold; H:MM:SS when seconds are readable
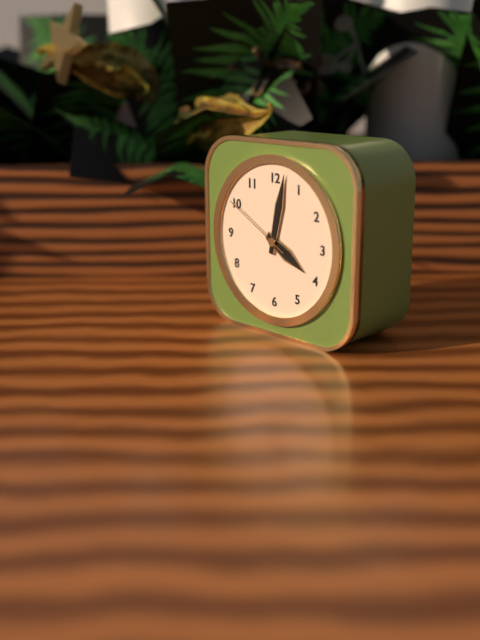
**4:02:50**
